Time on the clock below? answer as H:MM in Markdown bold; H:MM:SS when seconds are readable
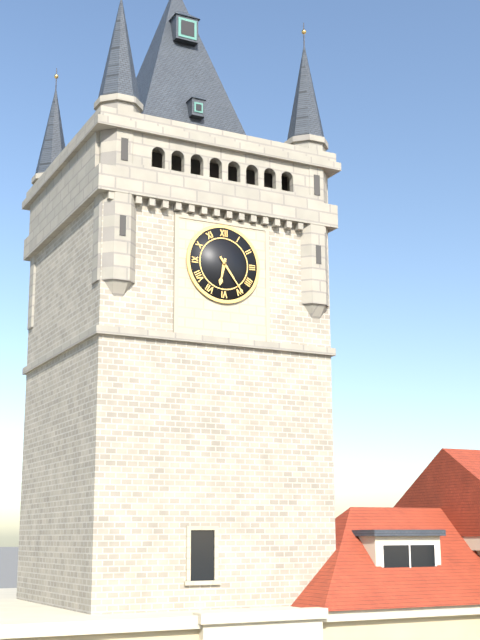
**6:24**
